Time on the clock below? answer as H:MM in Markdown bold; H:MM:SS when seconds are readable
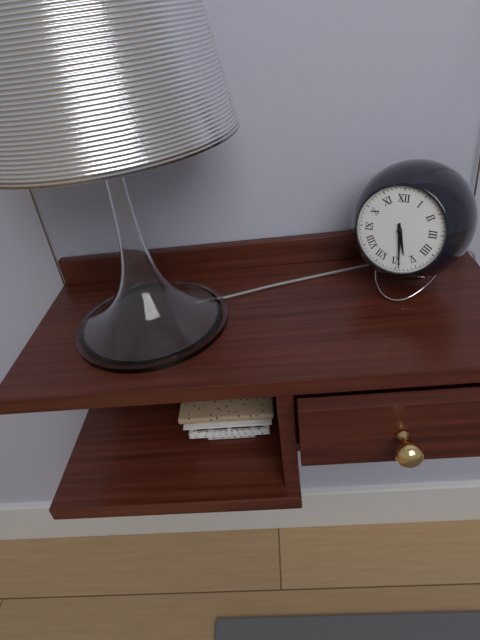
**5:29**
